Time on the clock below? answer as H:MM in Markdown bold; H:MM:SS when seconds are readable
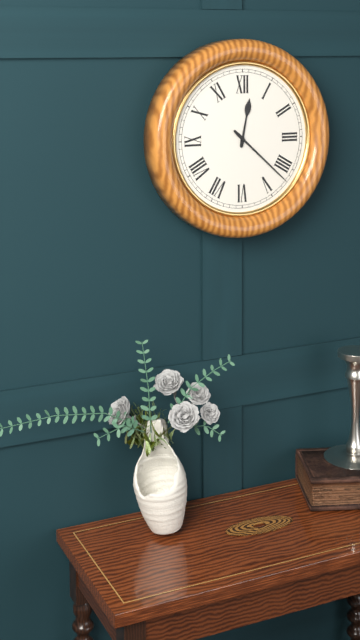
**12:22**
